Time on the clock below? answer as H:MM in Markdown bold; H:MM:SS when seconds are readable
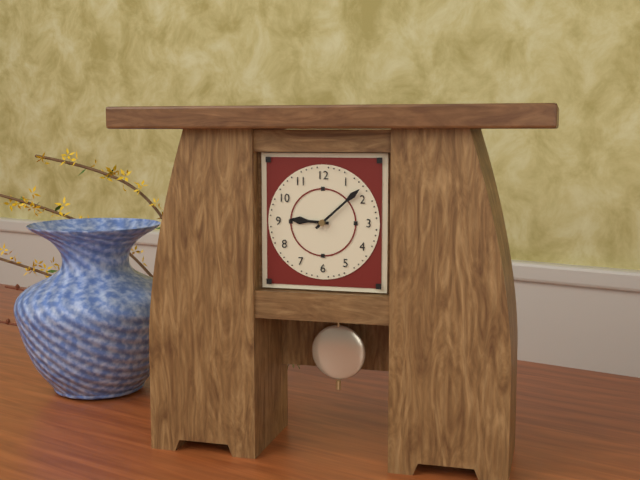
**9:08**
